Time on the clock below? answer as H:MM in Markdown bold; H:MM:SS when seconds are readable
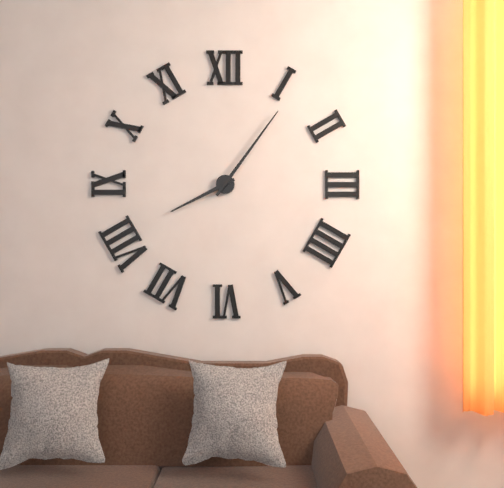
**8:06**
